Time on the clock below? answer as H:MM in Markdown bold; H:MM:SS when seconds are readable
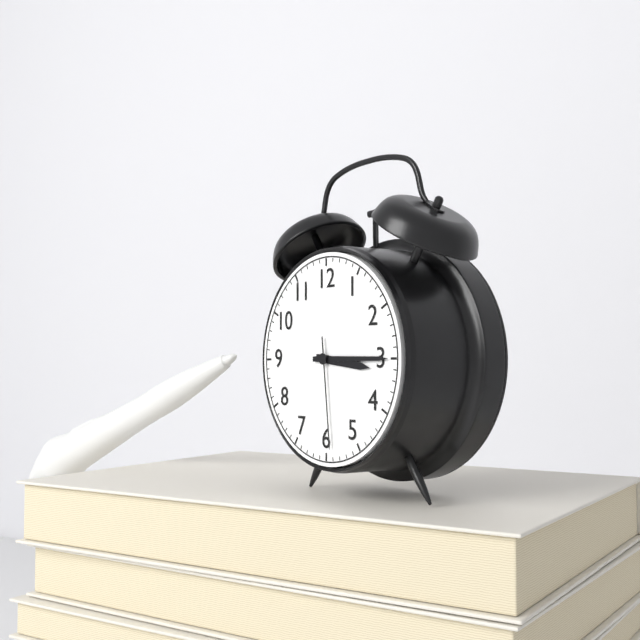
**3:15:29**
